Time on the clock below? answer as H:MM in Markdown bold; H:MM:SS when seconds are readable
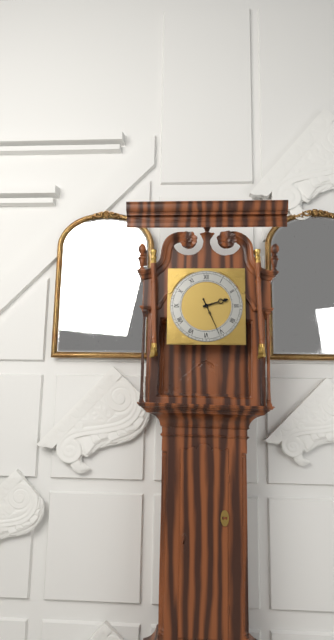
**2:26**
